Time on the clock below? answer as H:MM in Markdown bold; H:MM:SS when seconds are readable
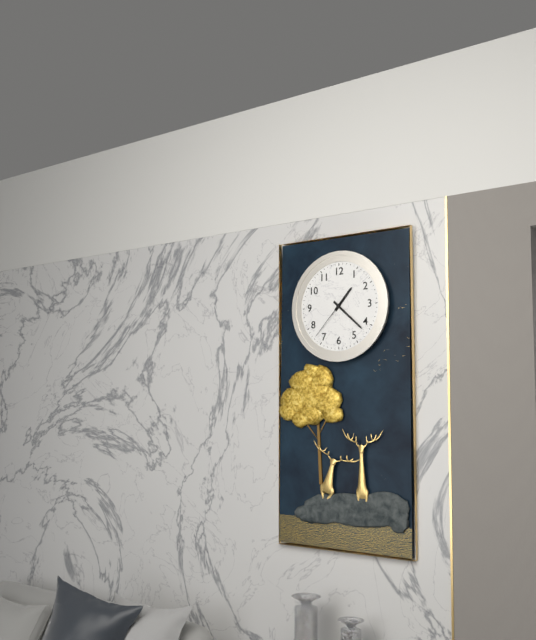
**1:22**
